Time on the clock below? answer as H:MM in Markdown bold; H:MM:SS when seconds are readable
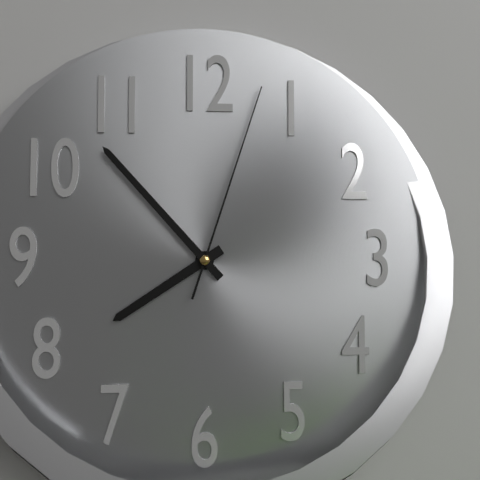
**7:53:03**
